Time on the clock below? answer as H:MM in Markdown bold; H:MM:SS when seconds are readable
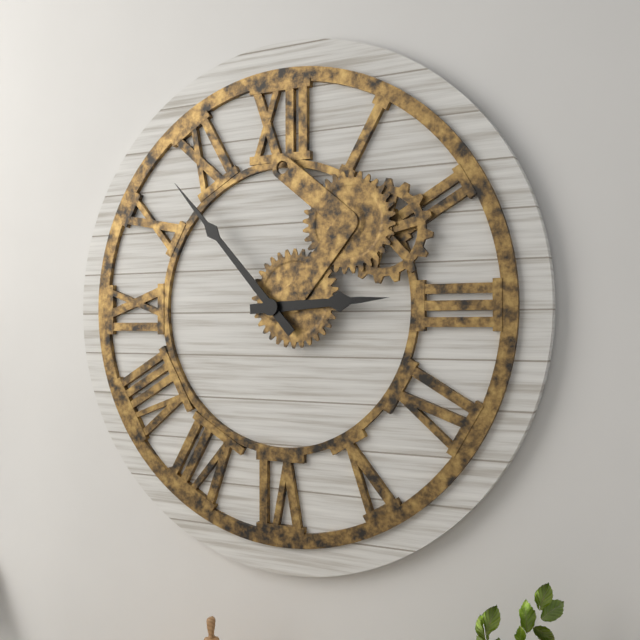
**2:53**
